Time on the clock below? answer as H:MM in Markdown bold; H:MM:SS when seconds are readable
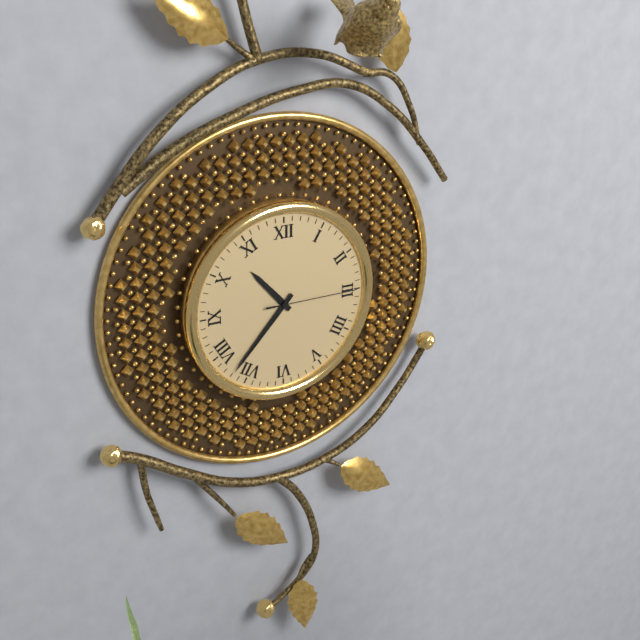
**10:37:15**
